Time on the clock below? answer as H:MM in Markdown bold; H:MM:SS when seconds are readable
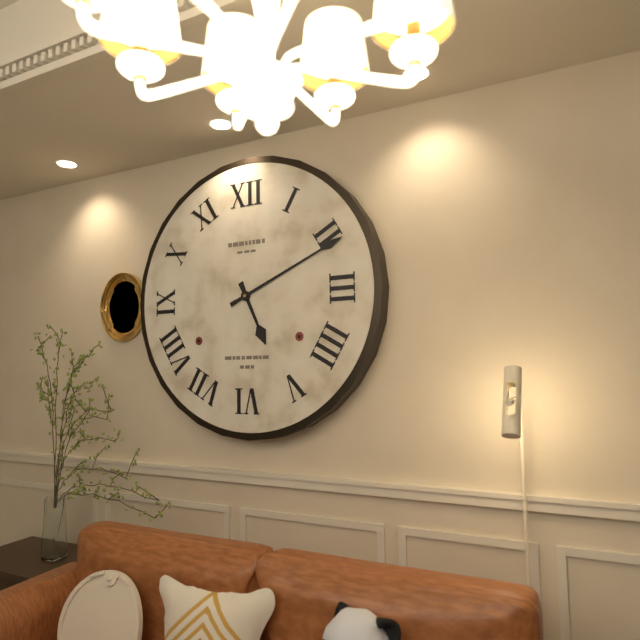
**5:11**
